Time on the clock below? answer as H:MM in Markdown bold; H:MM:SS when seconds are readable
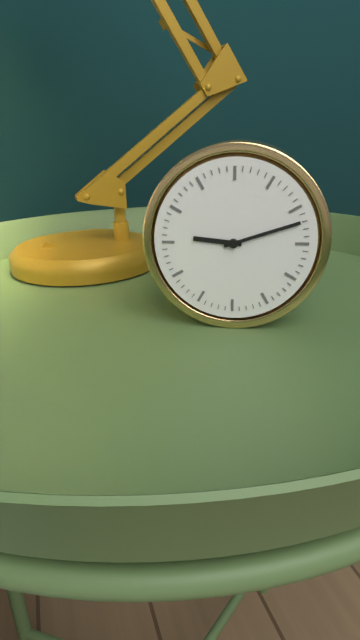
**9:12**
